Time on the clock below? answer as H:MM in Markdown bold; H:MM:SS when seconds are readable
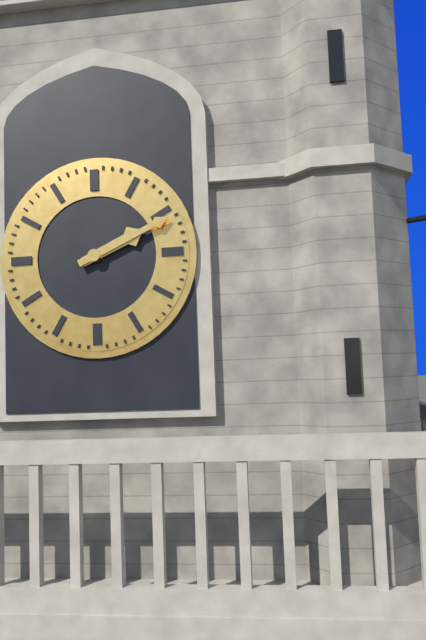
**2:11**
